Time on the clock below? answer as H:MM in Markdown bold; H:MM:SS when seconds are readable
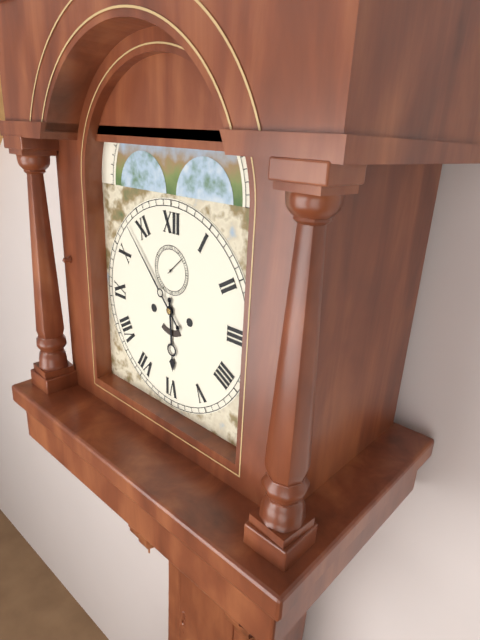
**5:53**
